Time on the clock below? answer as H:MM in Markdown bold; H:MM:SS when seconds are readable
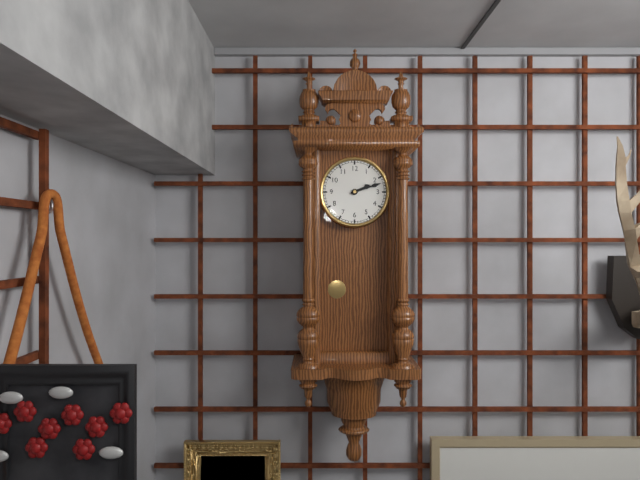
**2:12**
